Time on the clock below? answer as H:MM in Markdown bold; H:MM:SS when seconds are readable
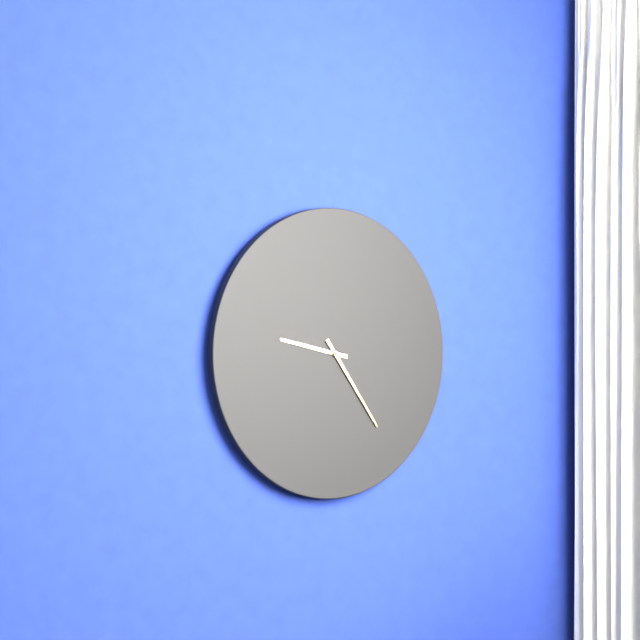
**9:24**
